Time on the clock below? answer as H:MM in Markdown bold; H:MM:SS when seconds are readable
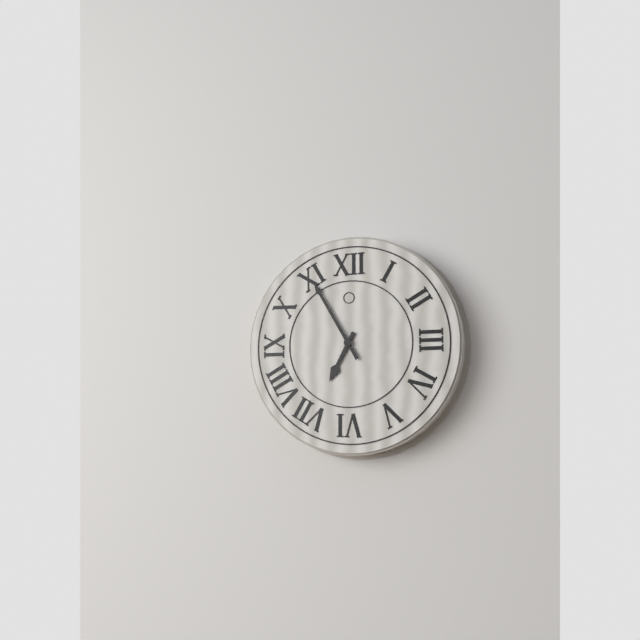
**6:55**
